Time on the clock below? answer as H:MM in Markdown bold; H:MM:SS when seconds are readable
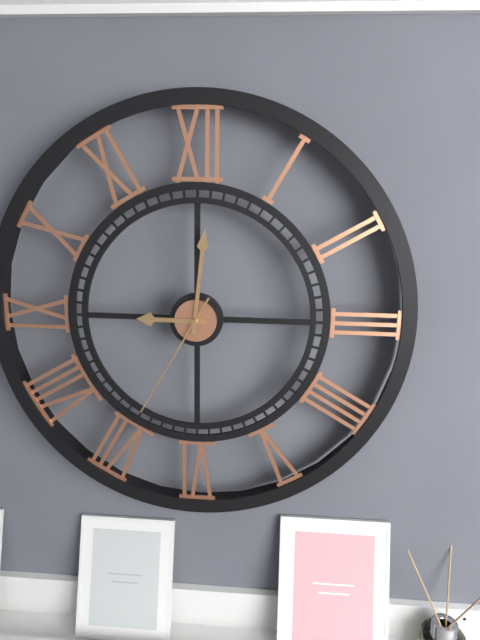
**9:01:35**
